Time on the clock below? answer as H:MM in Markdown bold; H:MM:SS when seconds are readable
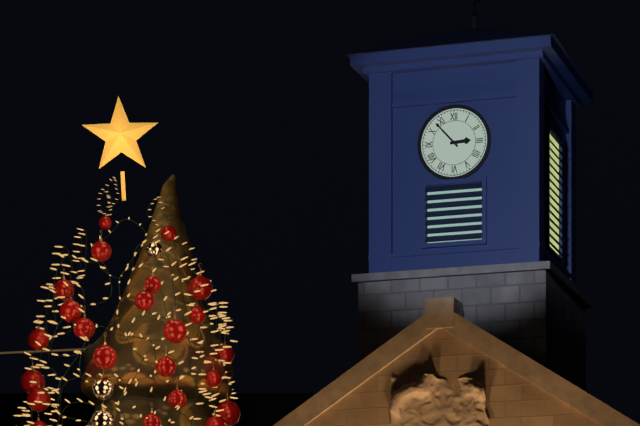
**2:53**
